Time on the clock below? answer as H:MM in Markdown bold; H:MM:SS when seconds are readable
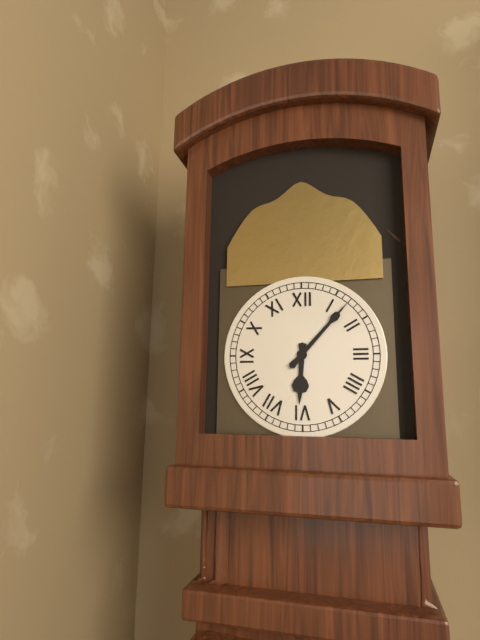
**6:07**
